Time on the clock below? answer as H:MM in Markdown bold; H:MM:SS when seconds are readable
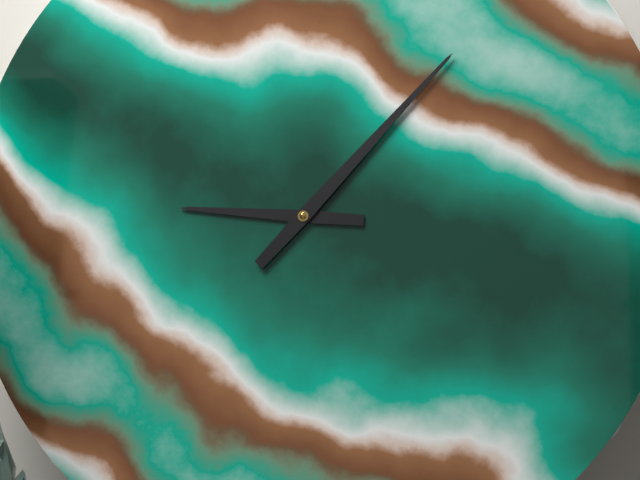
**9:07**
